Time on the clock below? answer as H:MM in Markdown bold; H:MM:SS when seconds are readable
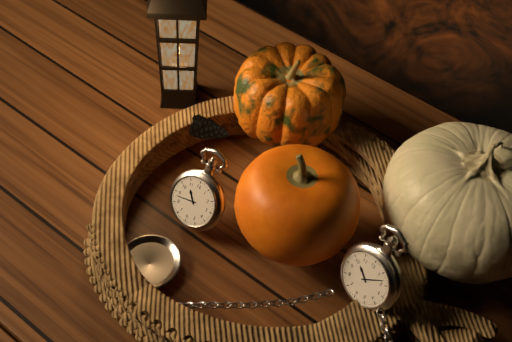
**10:43**
